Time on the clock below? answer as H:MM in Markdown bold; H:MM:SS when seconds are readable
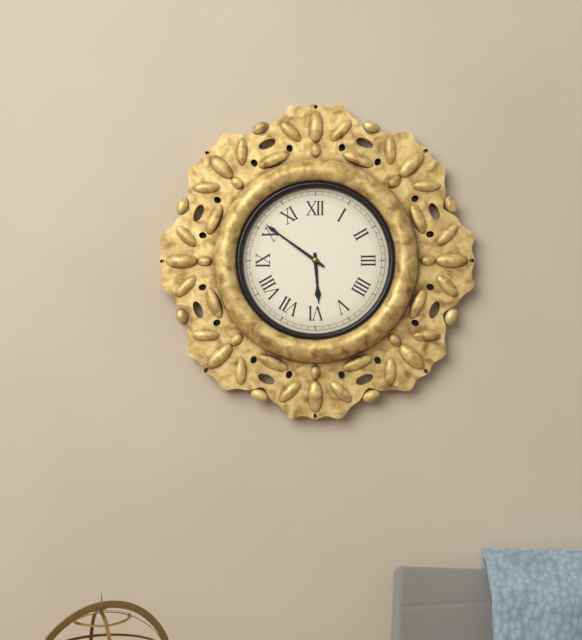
**5:51**
